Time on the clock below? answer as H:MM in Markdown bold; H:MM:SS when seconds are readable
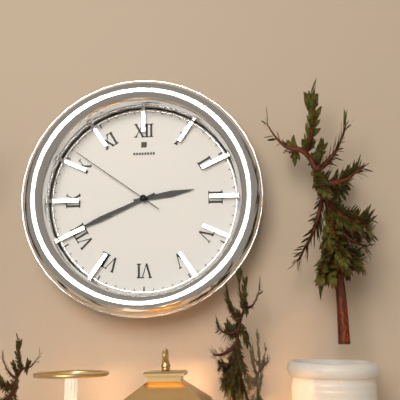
**2:41:51**
